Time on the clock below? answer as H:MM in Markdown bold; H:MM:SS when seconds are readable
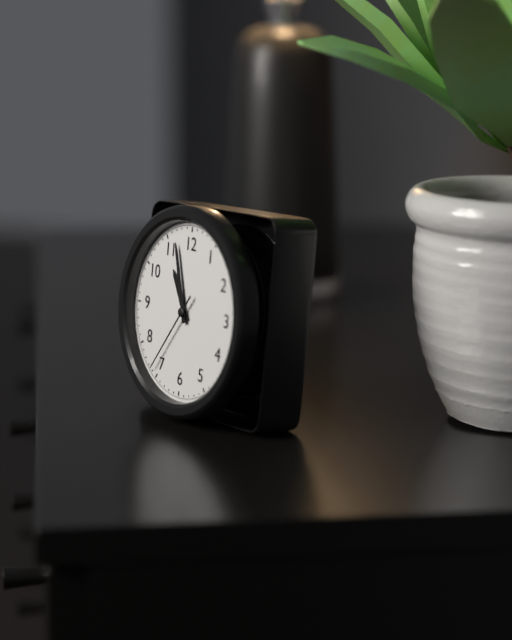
**10:57:36**
